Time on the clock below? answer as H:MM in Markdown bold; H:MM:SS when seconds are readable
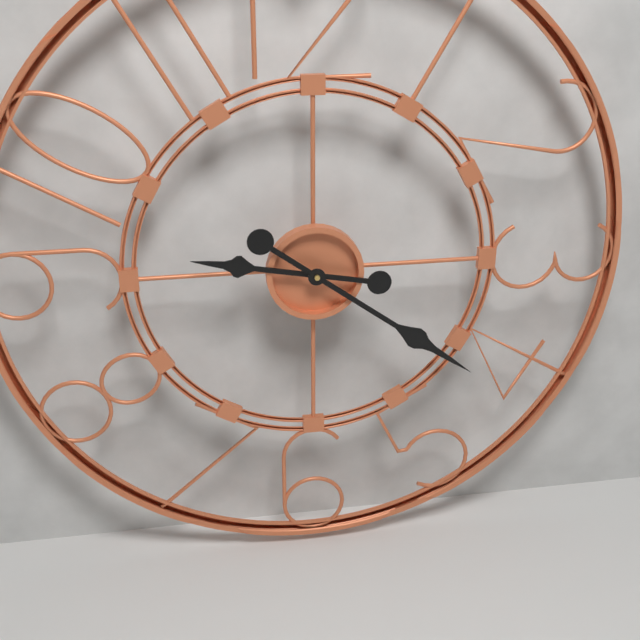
**9:21**
